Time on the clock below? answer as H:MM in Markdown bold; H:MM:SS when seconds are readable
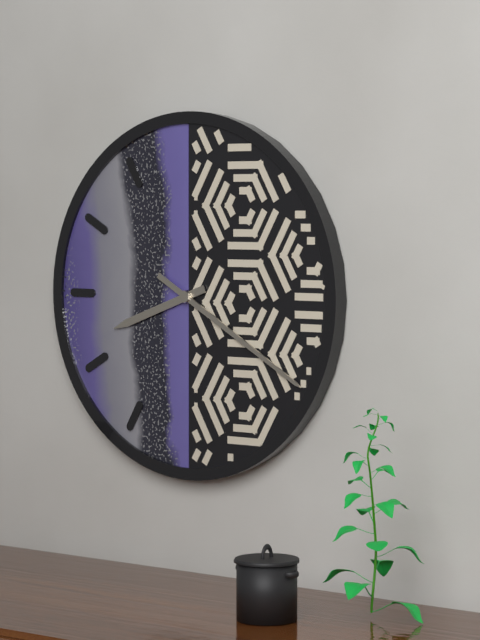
**8:20**
